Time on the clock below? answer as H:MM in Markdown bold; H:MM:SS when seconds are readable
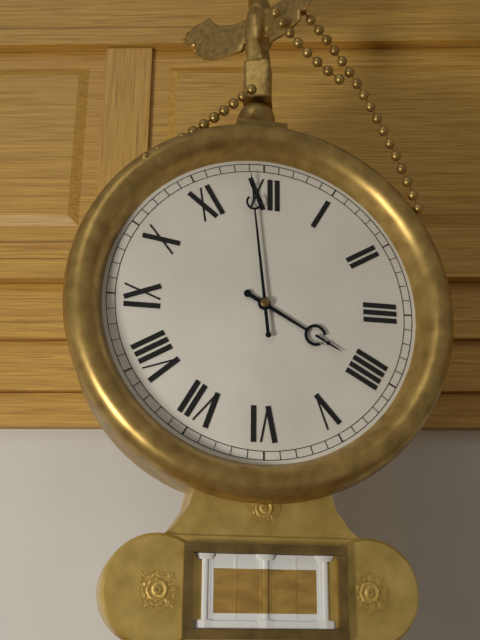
**3:59**
